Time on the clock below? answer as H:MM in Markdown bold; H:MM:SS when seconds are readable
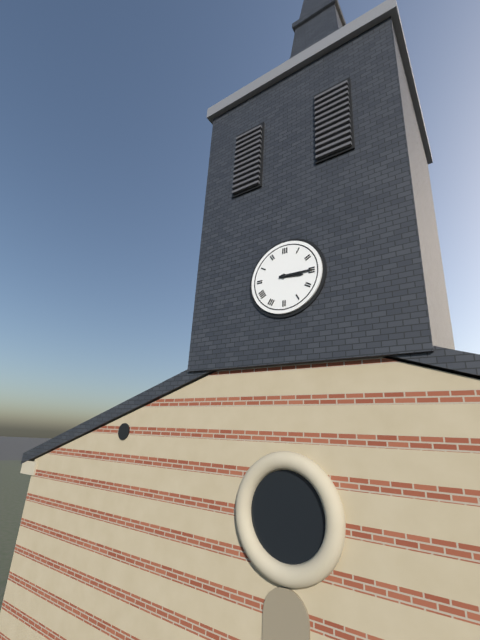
**3:15**
